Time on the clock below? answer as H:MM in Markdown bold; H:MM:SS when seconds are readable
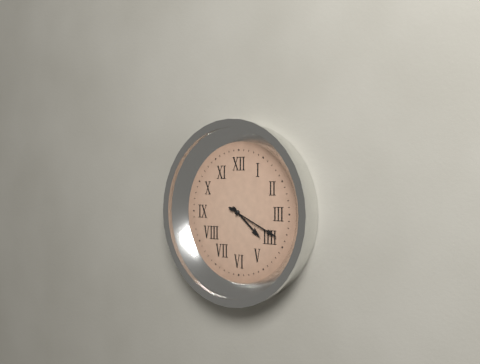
**4:19**
